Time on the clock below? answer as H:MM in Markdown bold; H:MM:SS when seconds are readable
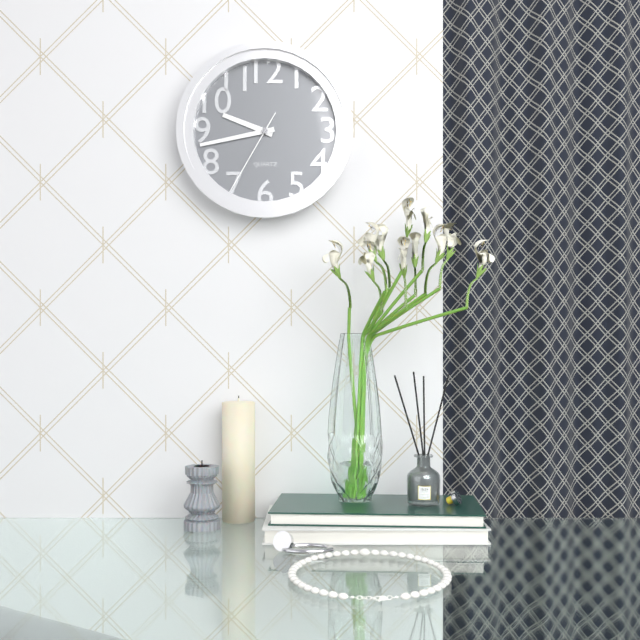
**9:43:35**
